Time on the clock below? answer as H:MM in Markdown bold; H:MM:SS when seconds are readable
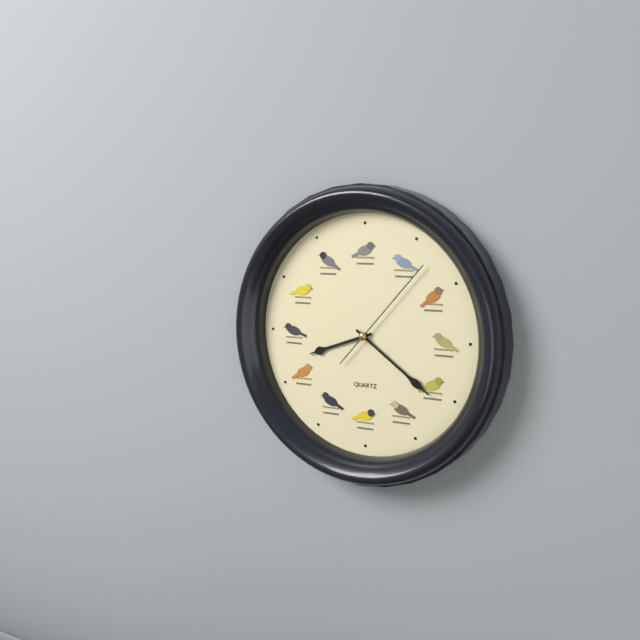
**8:21:07**
